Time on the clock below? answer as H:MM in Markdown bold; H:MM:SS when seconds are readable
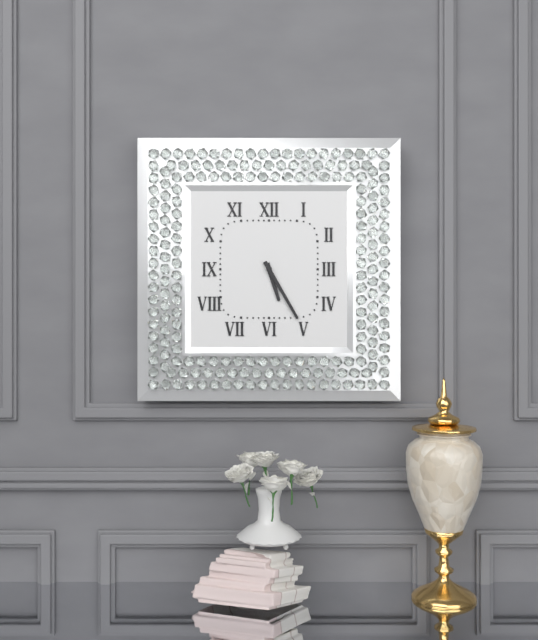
**5:25**
